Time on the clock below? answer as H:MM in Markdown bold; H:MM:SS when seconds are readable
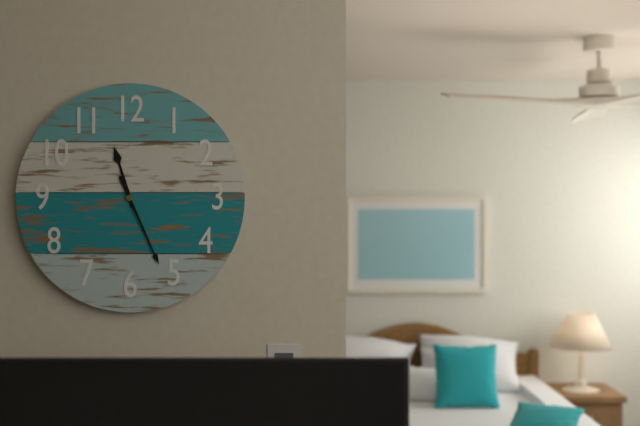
**11:26**
